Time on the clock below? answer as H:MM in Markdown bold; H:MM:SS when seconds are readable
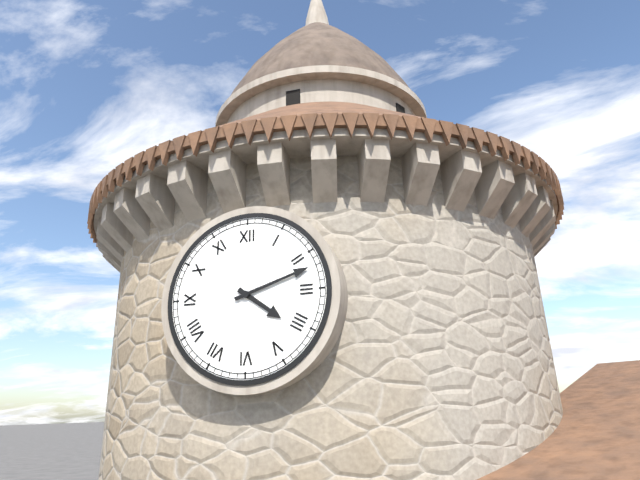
**4:12**
